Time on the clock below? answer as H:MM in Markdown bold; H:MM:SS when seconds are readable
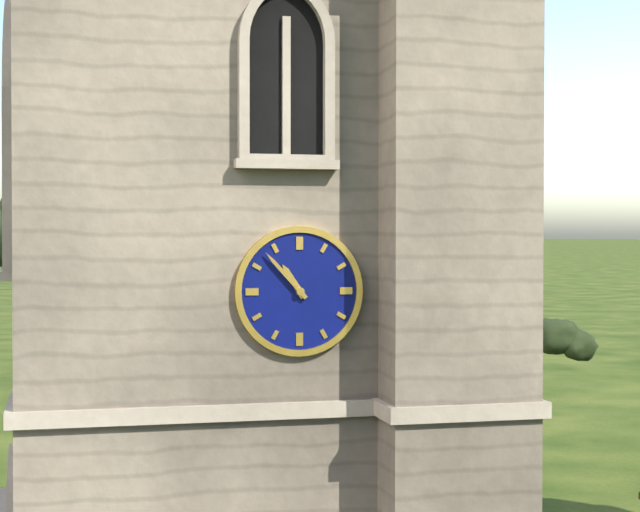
**10:53**
